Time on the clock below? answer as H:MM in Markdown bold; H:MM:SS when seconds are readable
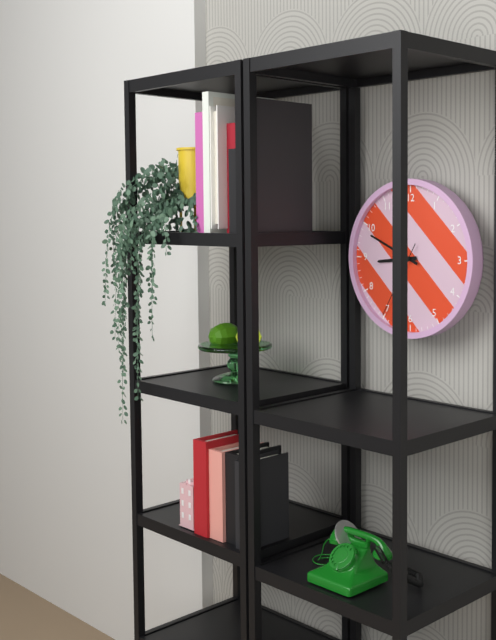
**8:49:35**
